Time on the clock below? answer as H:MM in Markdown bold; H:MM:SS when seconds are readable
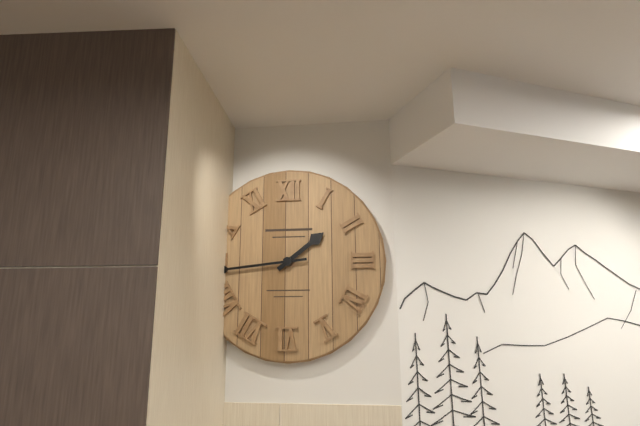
**1:44**
